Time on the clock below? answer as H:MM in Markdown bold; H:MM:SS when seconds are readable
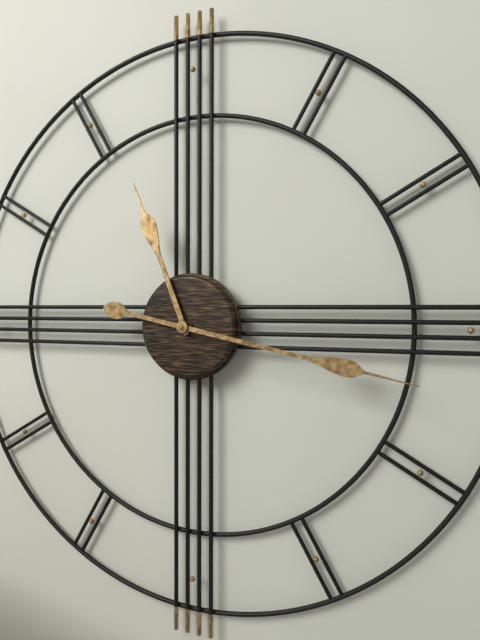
**11:17**
